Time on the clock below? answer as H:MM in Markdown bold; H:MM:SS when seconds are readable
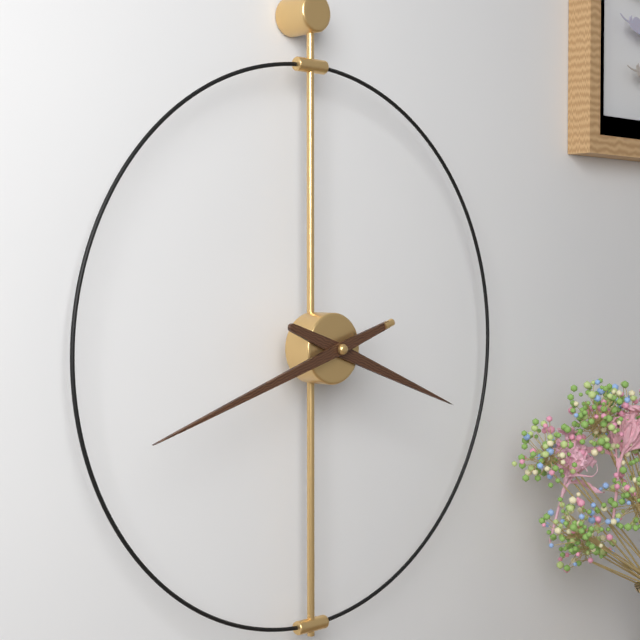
**3:42**
